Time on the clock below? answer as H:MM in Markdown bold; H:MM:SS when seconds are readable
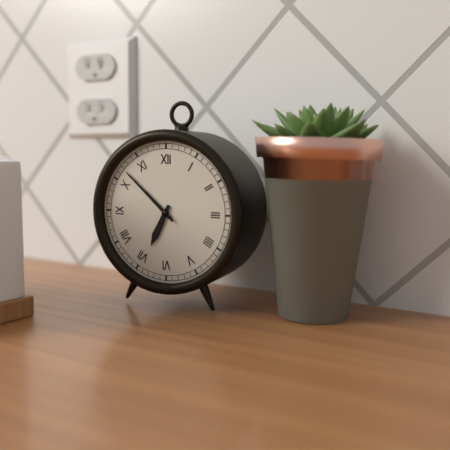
**6:52**
